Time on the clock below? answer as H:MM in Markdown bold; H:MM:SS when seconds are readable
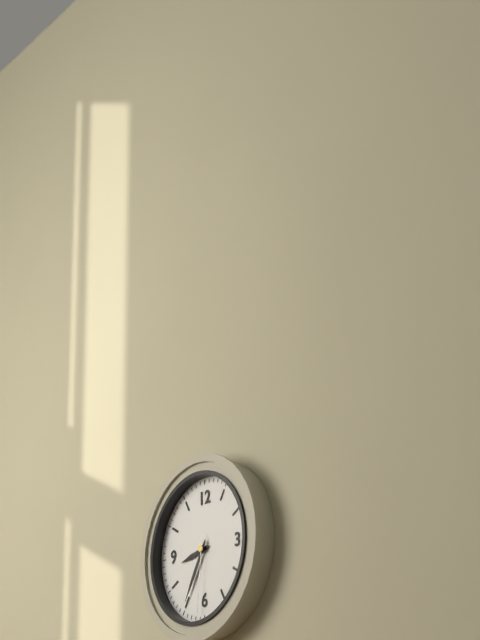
**8:35:31**
